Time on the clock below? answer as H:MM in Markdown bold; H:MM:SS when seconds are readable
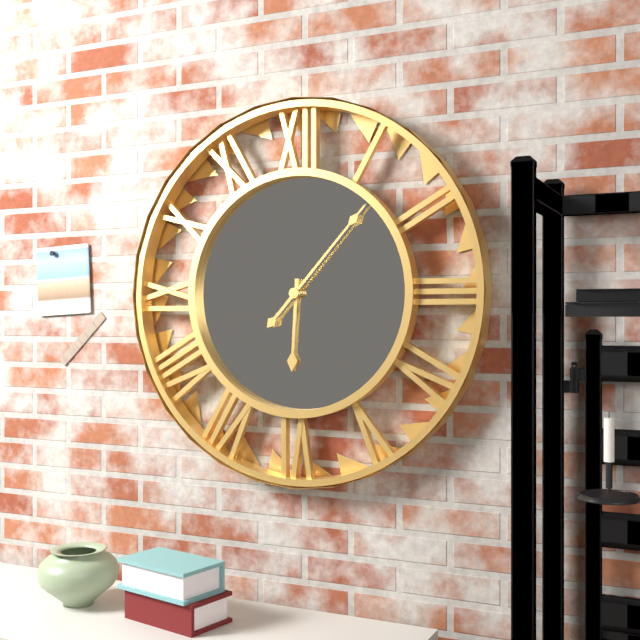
**6:07**
